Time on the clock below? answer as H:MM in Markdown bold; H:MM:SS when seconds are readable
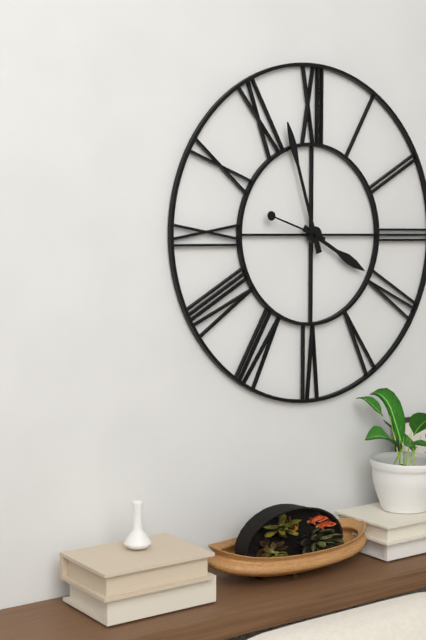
**3:57:48**
